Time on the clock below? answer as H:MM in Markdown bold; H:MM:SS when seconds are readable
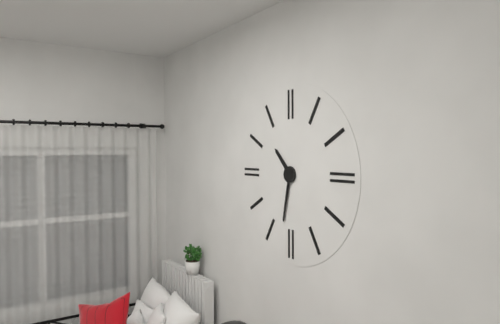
**10:32**
